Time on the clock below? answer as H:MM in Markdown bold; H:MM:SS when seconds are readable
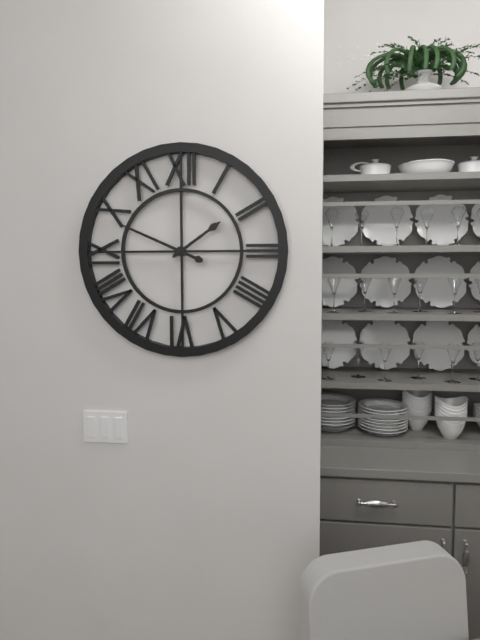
**1:49**
